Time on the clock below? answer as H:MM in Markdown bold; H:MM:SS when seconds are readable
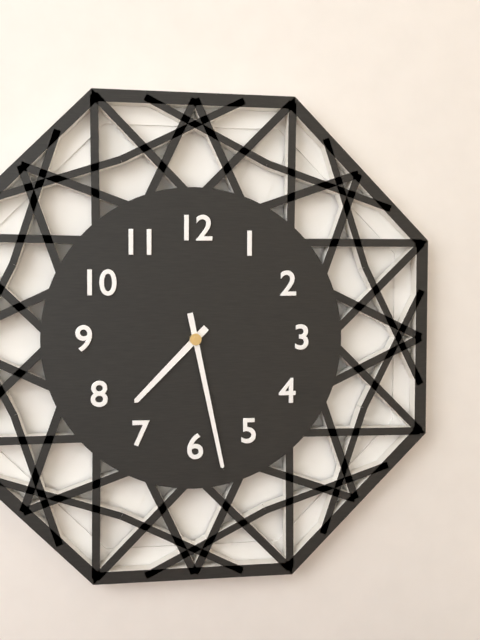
**7:28**
